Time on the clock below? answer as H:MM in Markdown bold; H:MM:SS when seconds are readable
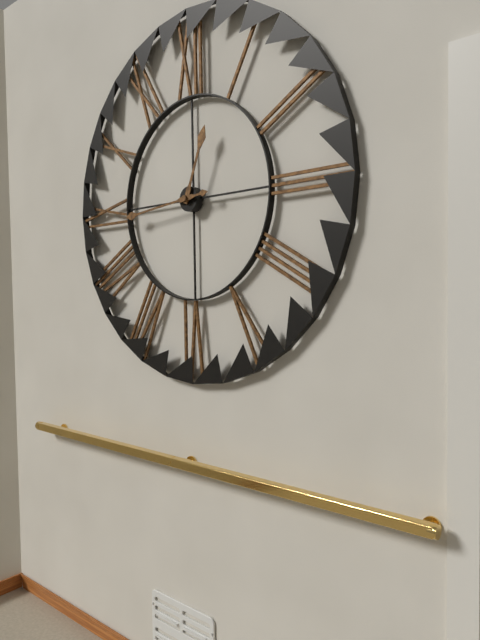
**12:44**
